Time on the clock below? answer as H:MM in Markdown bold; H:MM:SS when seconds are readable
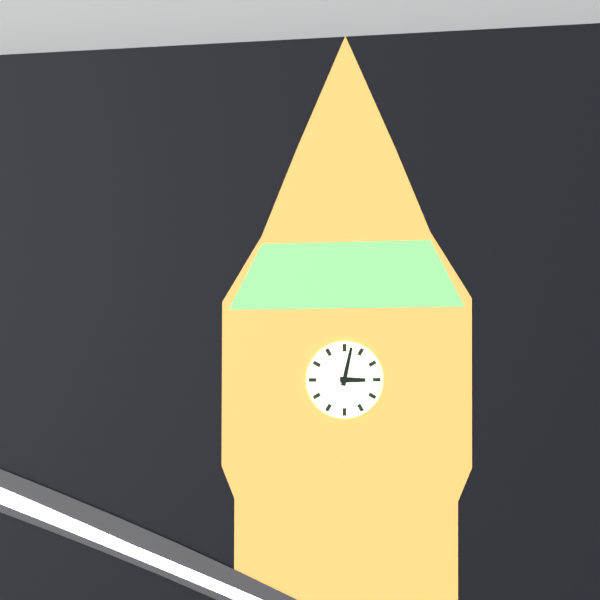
**3:02**
